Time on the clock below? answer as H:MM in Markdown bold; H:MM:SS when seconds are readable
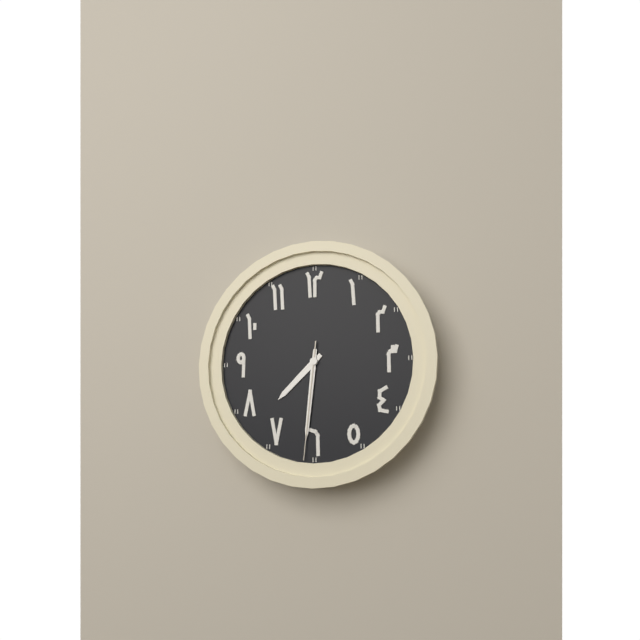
**7:31:31**
